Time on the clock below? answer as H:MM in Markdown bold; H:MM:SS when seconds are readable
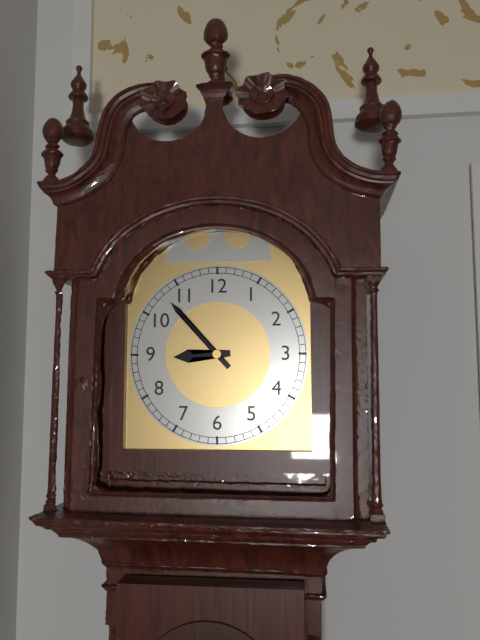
**8:53**
